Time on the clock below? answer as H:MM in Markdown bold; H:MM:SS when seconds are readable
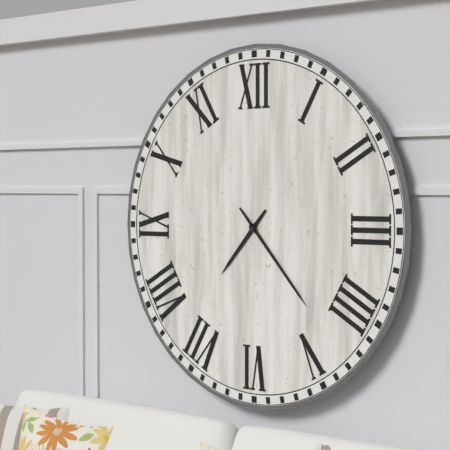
**7:23**
